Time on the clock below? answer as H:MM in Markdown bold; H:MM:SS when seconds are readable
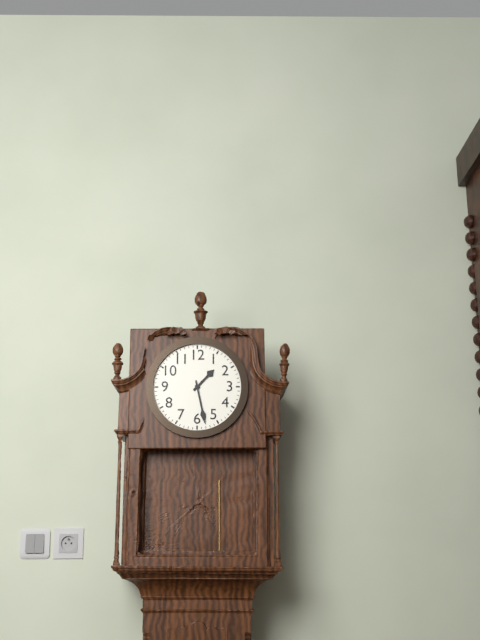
**1:28**
